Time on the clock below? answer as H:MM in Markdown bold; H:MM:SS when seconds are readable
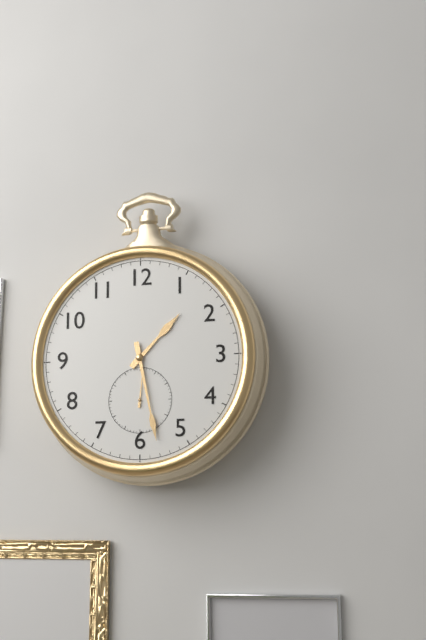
**1:28**
